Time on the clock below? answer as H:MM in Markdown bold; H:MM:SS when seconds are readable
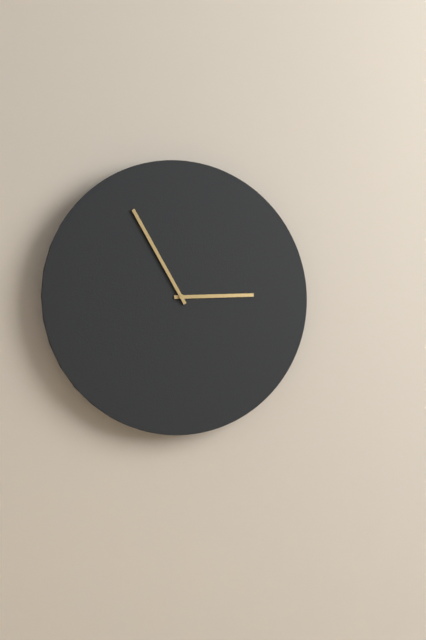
**2:55**
